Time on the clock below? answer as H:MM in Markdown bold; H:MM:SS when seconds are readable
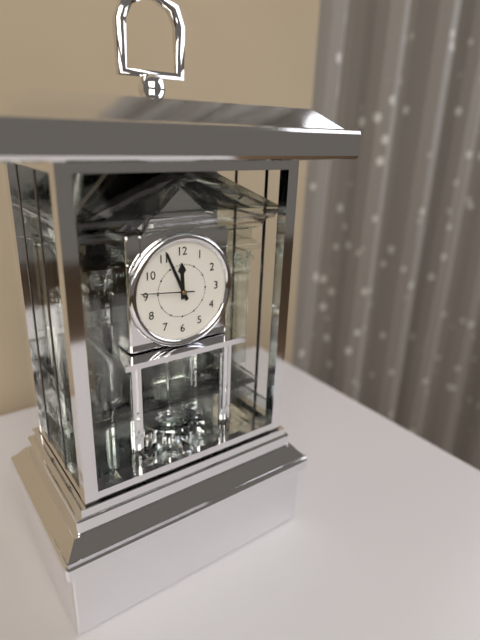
**11:56:46**
